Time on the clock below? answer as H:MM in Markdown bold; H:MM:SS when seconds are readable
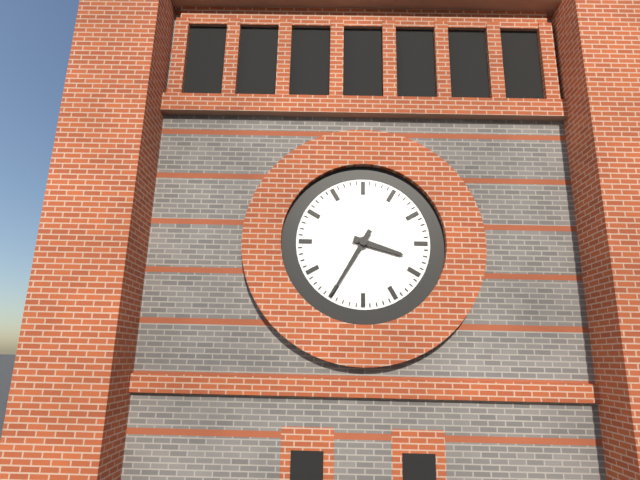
**3:35**
